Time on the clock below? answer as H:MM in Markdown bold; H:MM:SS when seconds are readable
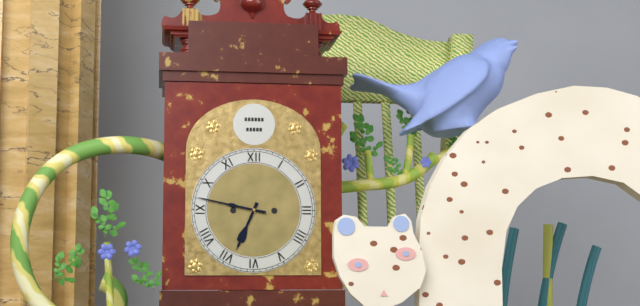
**6:47**
